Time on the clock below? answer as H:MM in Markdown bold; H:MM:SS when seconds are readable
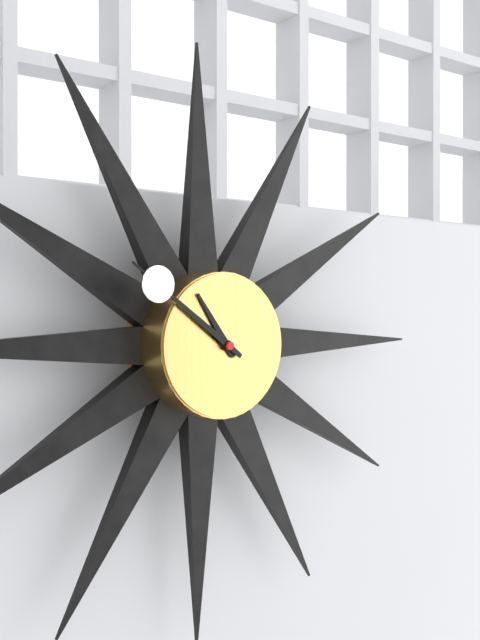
**10:51**
